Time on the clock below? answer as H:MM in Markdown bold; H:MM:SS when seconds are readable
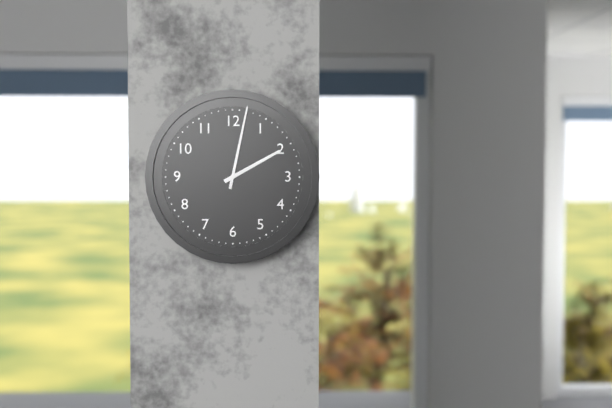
**2:02**
